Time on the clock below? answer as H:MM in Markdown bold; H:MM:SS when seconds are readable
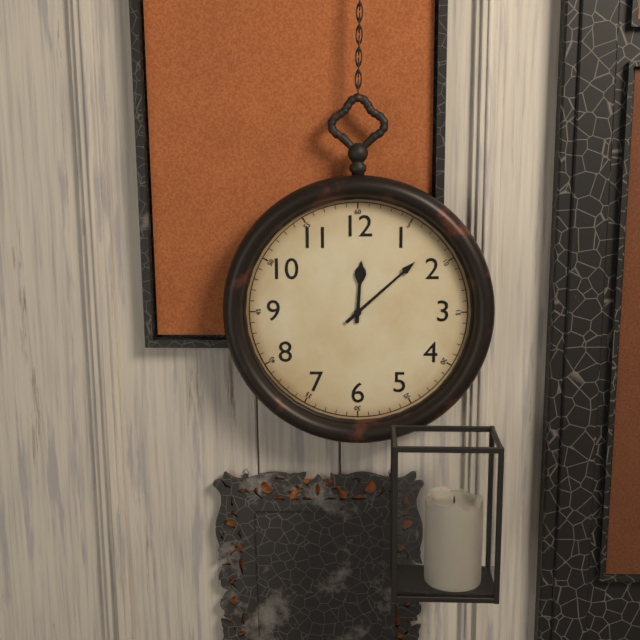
**12:08**
